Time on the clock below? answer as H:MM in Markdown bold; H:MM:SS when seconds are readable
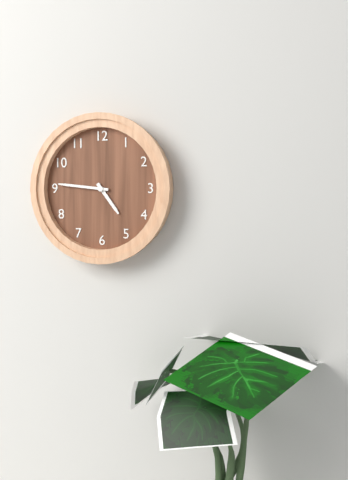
**4:46**
